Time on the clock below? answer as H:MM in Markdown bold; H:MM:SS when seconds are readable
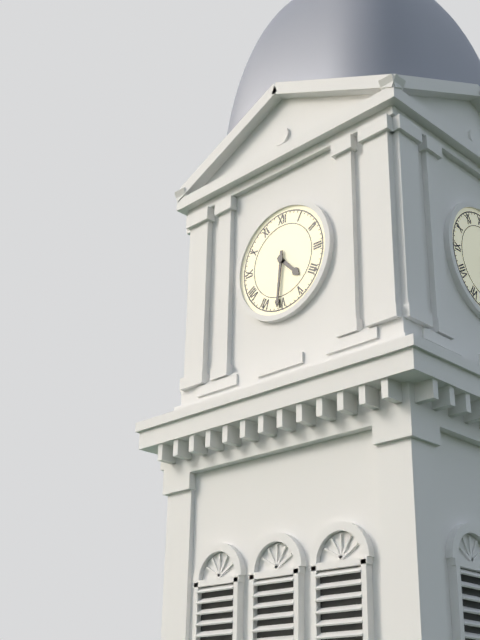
**4:31**
